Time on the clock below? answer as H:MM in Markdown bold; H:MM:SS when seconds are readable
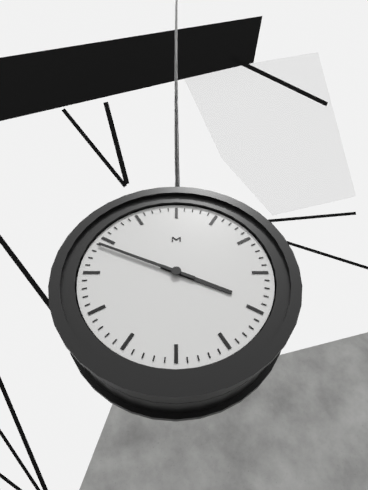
**3:49**
